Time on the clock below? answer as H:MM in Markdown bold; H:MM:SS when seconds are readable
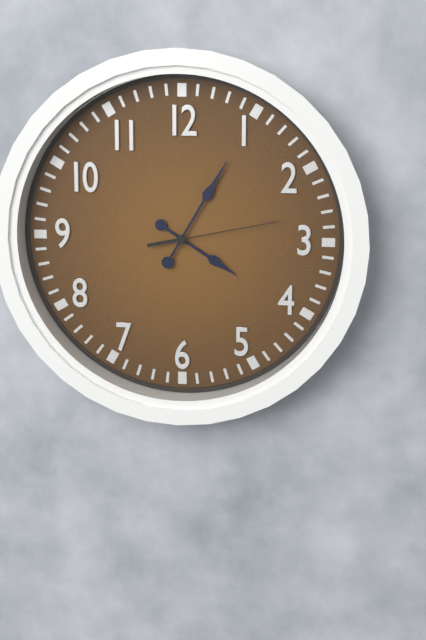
**4:05:13**
